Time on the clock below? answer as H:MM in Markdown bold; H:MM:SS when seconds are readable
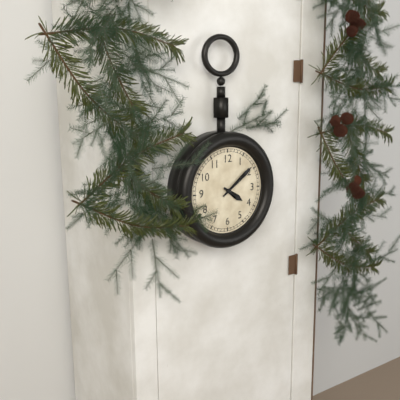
**4:09**
